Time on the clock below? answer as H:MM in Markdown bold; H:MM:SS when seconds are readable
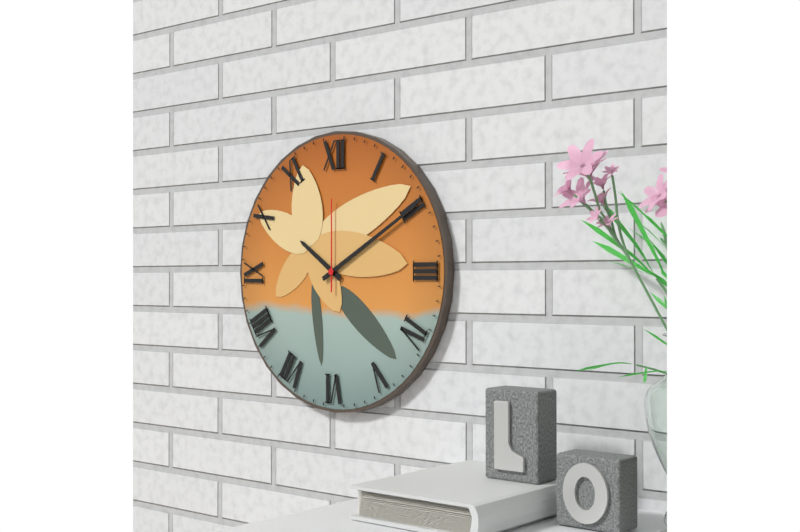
**10:10:00**
